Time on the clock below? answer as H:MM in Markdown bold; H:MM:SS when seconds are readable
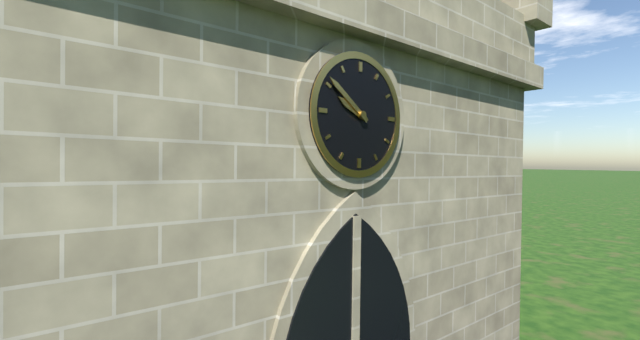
**9:51**
